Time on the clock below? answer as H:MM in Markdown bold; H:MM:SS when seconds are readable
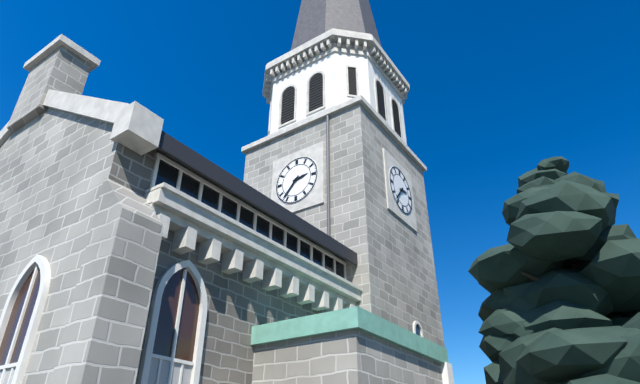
**2:37**
